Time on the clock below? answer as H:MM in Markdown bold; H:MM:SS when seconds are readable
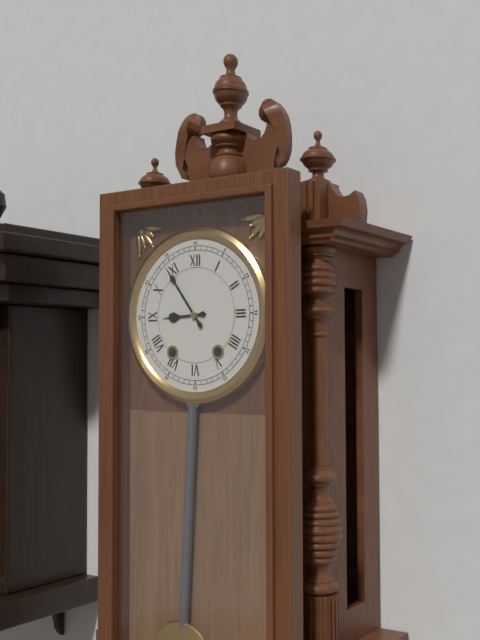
**8:54**
